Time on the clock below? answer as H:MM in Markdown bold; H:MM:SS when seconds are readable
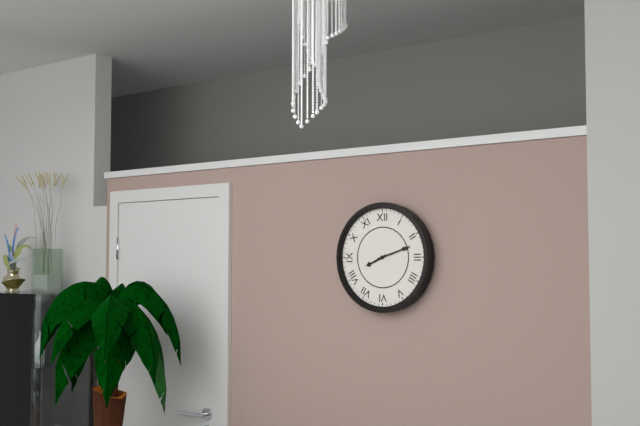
**8:12**
